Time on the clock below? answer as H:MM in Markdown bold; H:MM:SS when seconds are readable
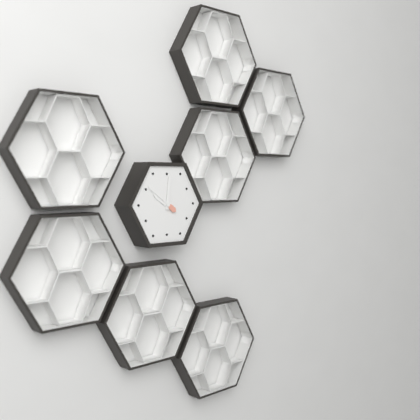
**10:01**
